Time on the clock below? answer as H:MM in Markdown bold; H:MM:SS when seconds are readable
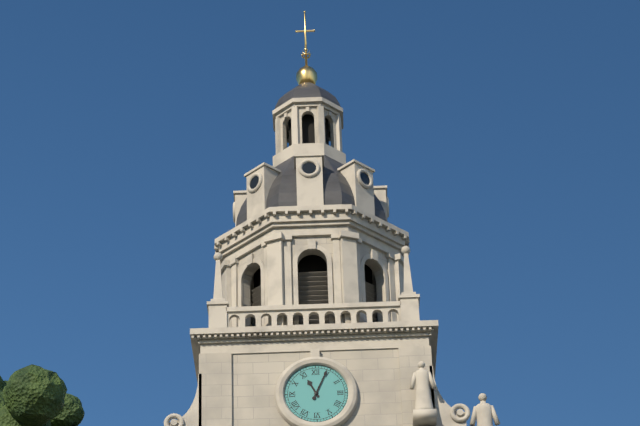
**11:04**
